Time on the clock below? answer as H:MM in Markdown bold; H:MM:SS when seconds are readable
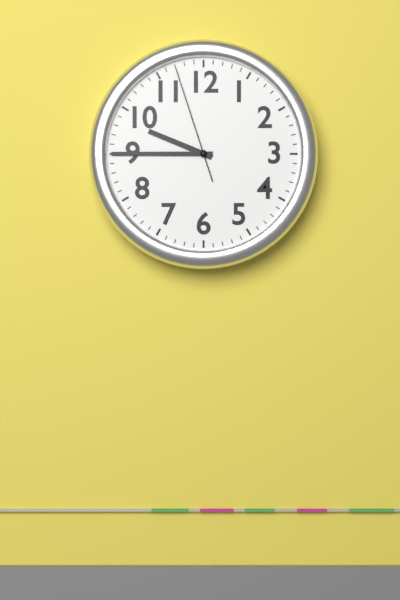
**9:45:57**
